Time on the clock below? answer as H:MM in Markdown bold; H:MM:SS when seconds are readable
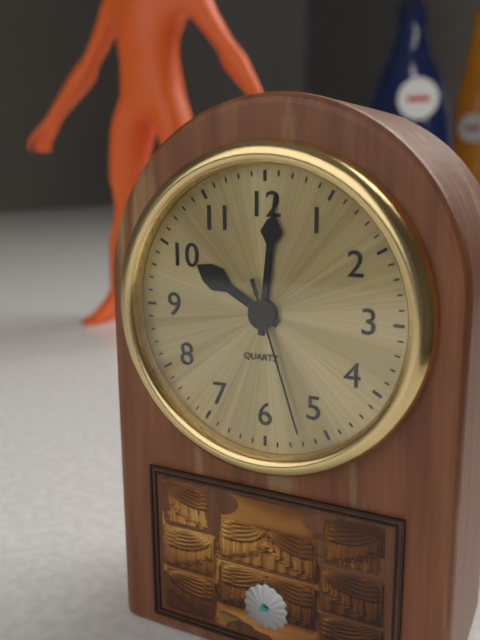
**10:01:27**
